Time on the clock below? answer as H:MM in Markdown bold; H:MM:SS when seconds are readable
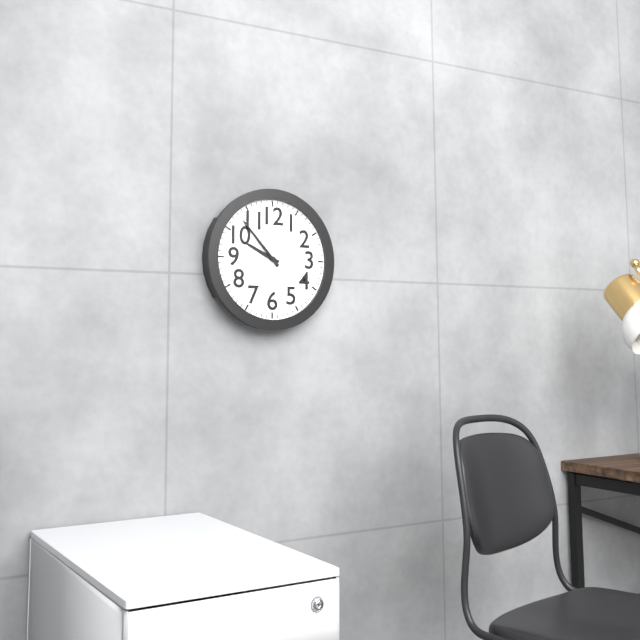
**9:53**
